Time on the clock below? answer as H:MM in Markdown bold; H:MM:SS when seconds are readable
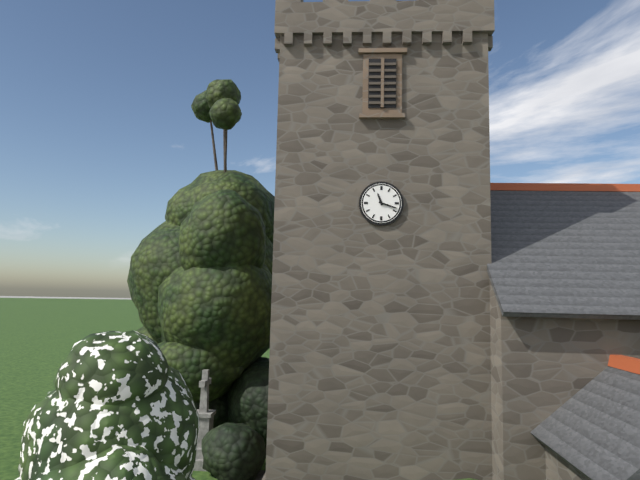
**11:18**
